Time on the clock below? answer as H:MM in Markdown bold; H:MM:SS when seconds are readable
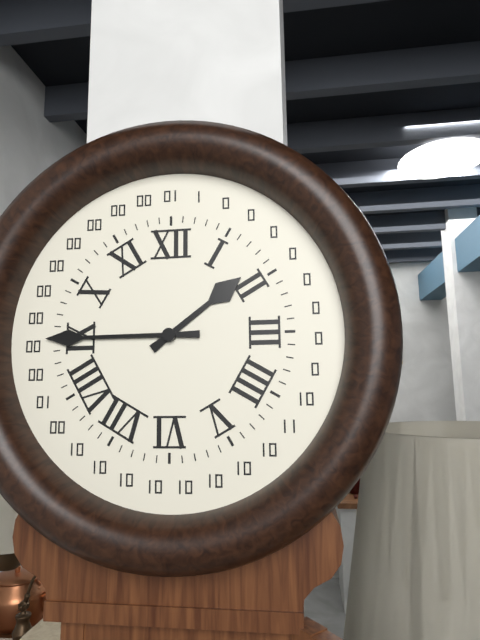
**1:45**
